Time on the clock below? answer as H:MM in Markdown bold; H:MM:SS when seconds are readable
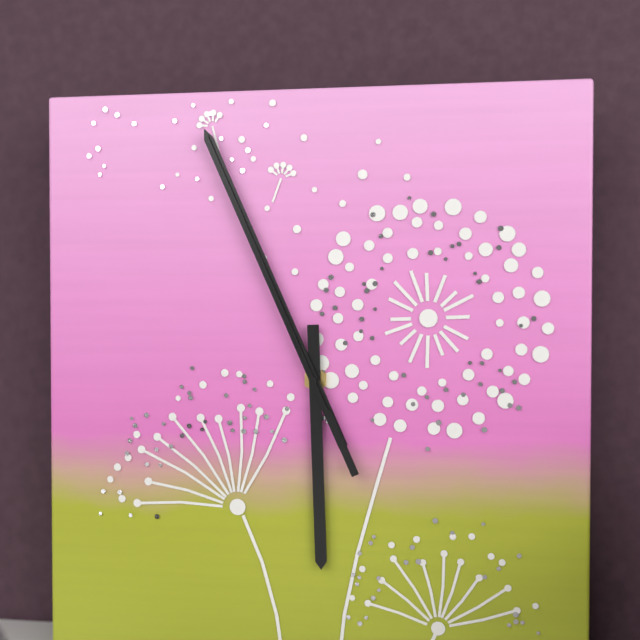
**5:56:56**
